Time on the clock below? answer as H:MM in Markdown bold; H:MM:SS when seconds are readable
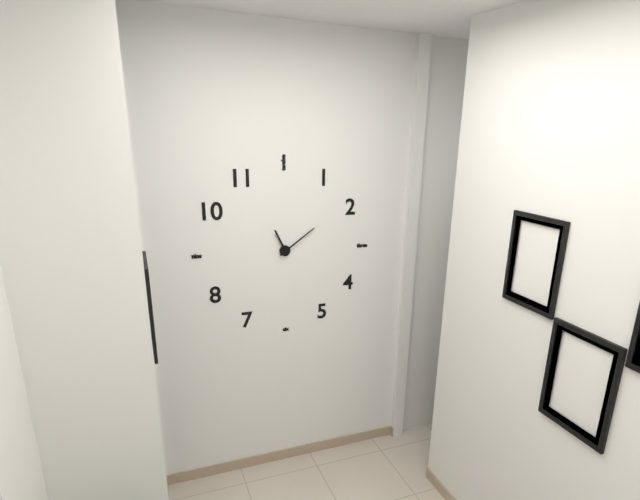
**11:09**
